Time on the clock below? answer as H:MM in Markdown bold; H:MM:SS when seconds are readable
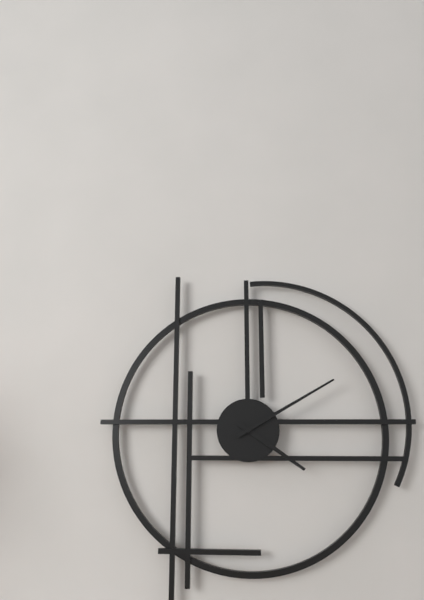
**4:10**
